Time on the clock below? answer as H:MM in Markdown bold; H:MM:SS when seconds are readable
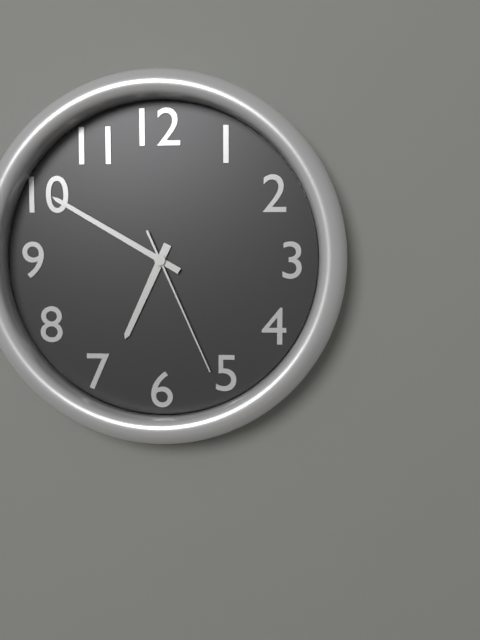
**6:50:26**
